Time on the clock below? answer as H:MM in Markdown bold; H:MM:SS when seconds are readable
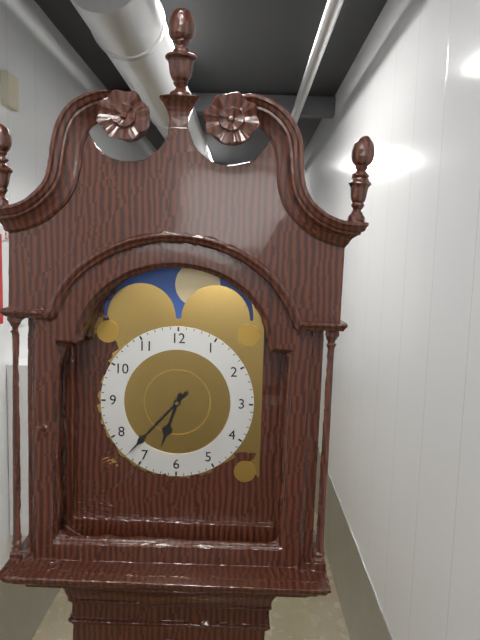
**6:37**
